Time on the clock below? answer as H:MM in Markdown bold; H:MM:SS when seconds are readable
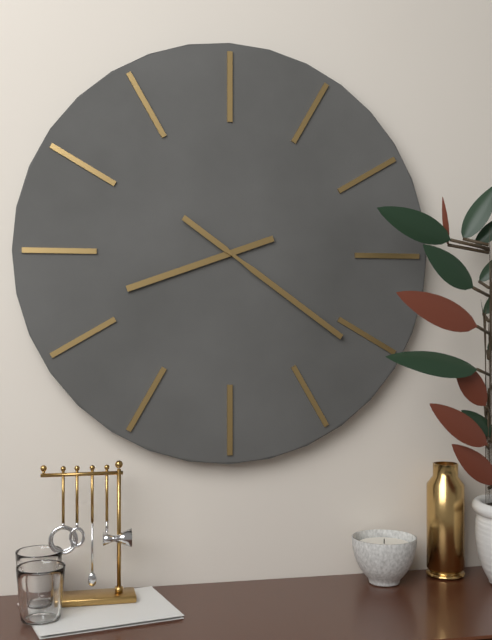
**8:21**
